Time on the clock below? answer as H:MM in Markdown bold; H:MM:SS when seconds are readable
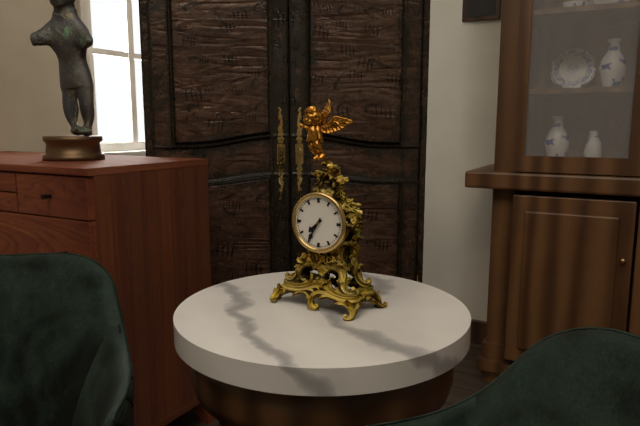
**7:35**
